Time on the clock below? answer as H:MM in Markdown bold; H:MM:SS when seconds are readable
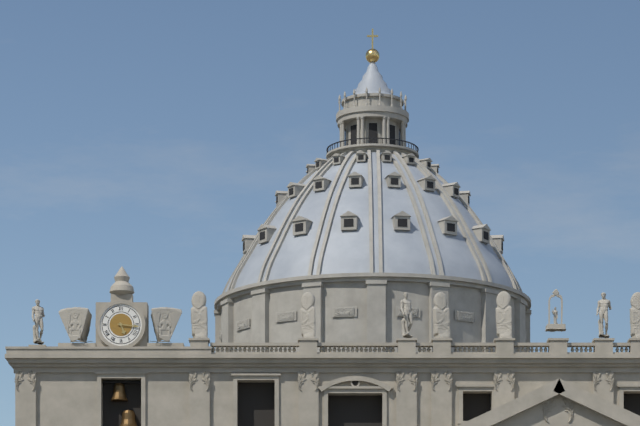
**5:16**
